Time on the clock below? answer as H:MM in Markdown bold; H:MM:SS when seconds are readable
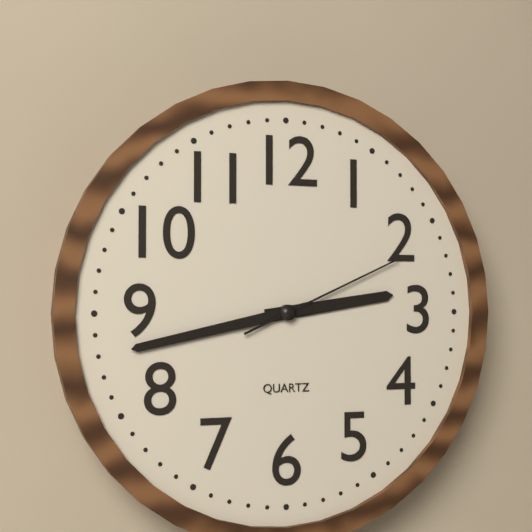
**2:43:11**
